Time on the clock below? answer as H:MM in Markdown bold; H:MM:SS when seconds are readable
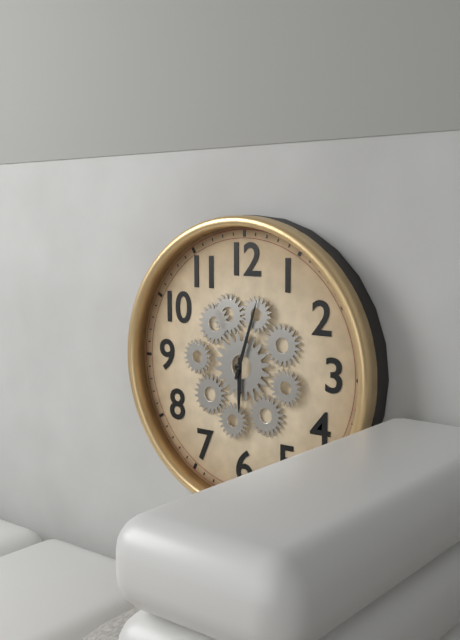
**6:03**
